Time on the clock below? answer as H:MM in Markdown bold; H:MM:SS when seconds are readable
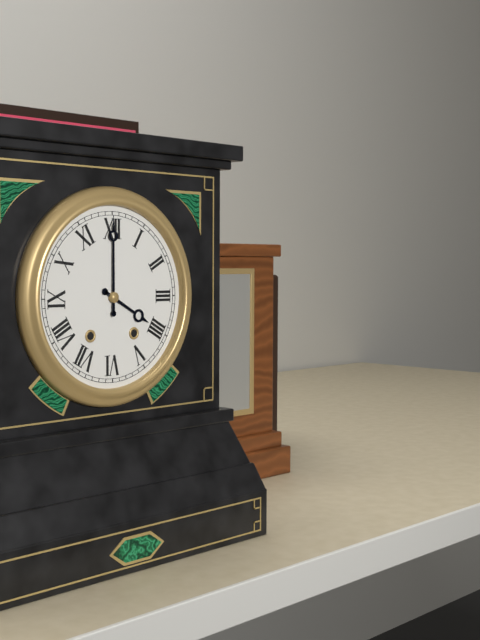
**4:00**
